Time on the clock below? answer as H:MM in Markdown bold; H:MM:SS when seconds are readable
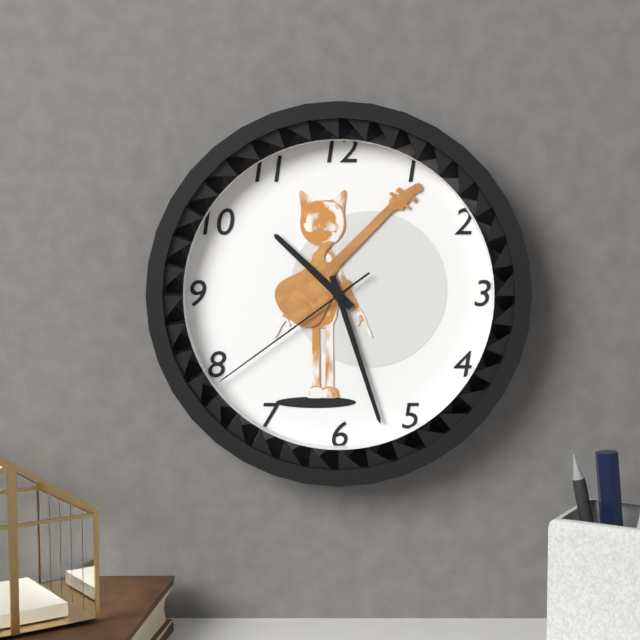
**10:27:39**
